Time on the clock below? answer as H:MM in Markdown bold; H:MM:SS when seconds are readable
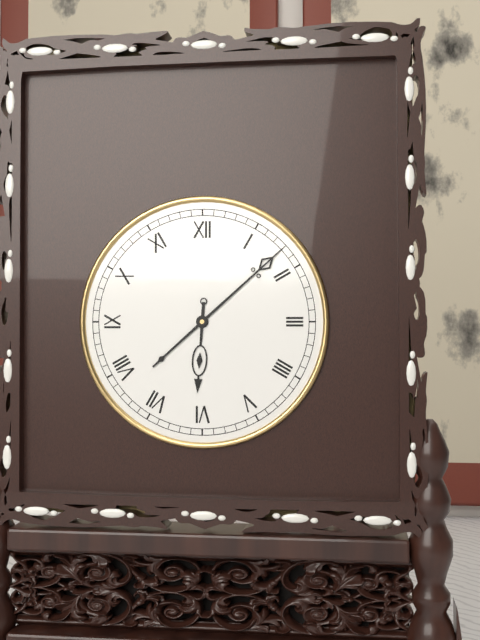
**6:08**
